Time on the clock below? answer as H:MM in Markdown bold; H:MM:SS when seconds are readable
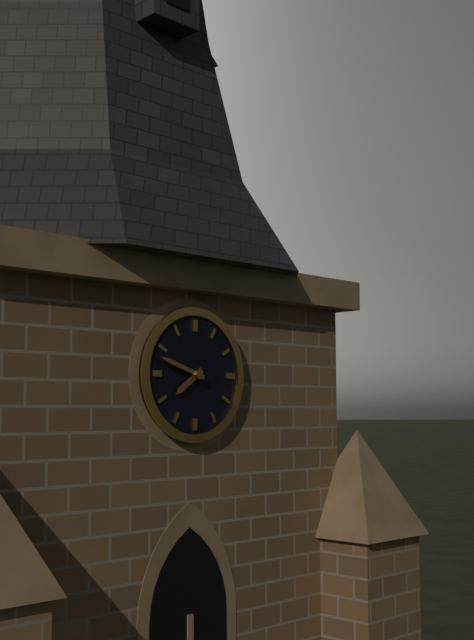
**7:48**
